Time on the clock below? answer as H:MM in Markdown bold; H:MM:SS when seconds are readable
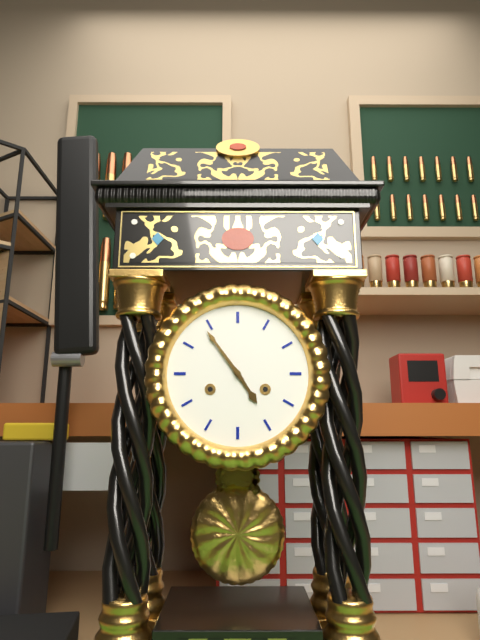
**4:54**
